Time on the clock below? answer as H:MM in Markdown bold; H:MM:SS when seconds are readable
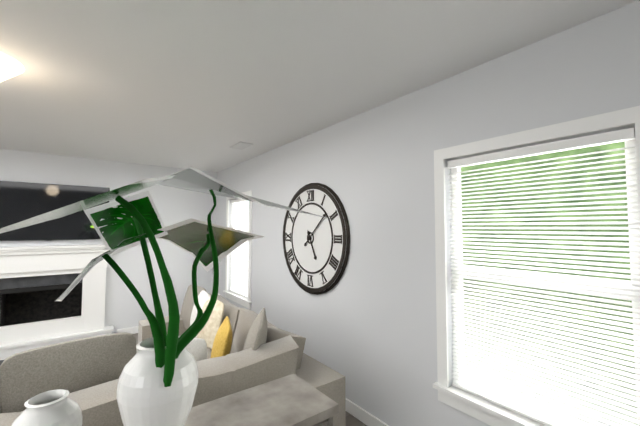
**5:08**
